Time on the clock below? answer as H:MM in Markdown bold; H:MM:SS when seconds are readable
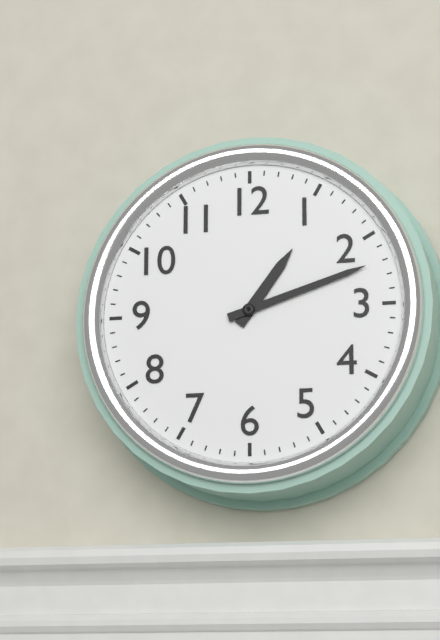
**1:12**
